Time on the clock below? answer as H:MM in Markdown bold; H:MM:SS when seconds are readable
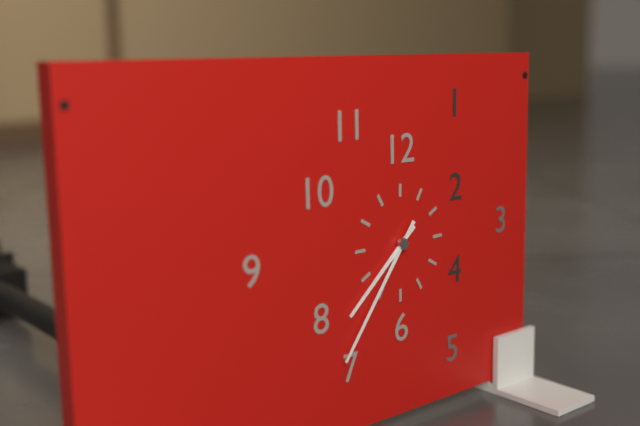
**7:36**
